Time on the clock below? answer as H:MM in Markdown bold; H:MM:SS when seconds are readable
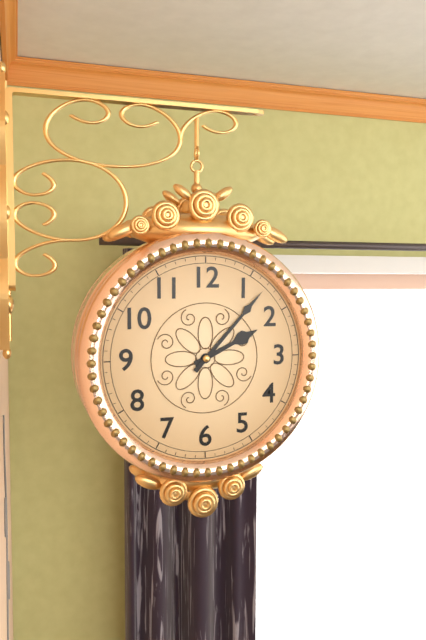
**2:07**
